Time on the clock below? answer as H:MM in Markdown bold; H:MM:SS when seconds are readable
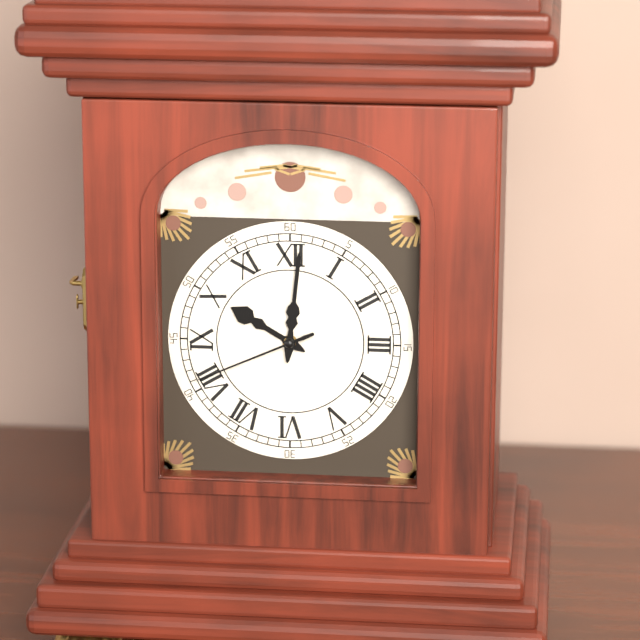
**10:01:41**
